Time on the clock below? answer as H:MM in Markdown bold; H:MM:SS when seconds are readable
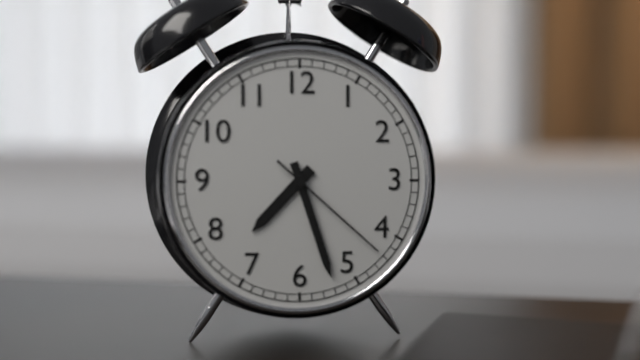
**7:27:22**
